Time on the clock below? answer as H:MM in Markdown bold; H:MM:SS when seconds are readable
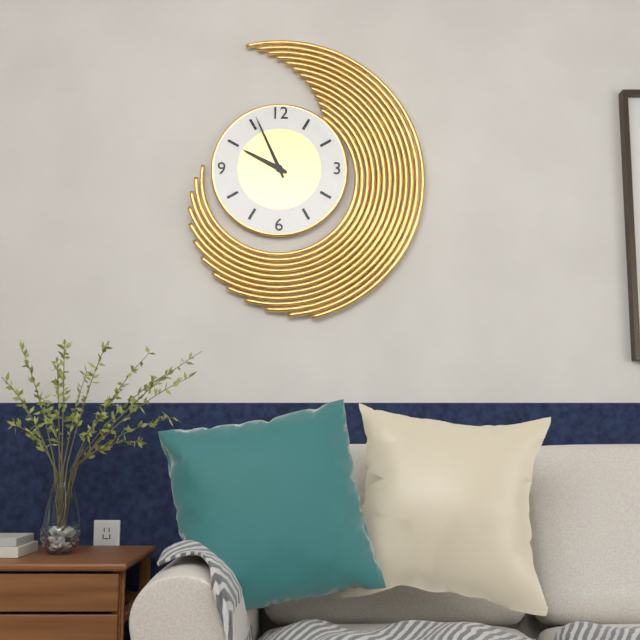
**9:56**
